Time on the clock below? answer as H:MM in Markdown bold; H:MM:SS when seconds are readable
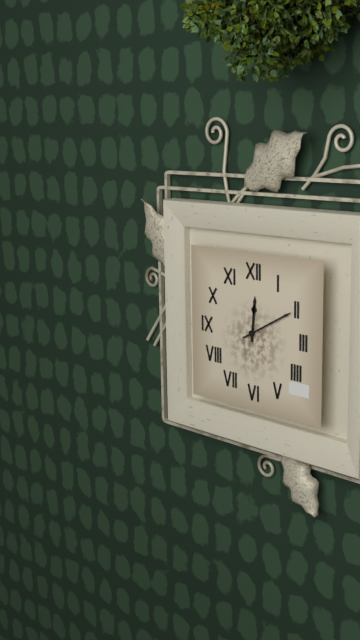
**12:10**
